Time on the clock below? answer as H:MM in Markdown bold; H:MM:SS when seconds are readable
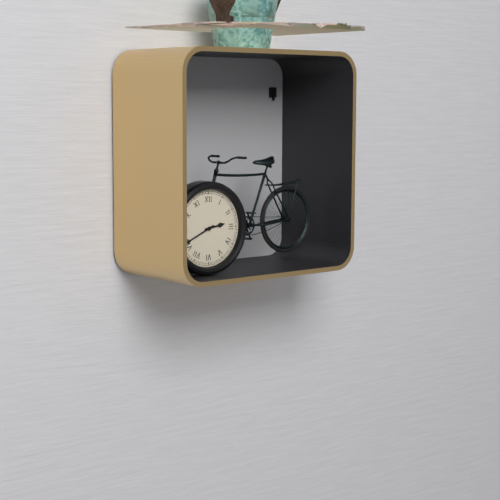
**2:41**
